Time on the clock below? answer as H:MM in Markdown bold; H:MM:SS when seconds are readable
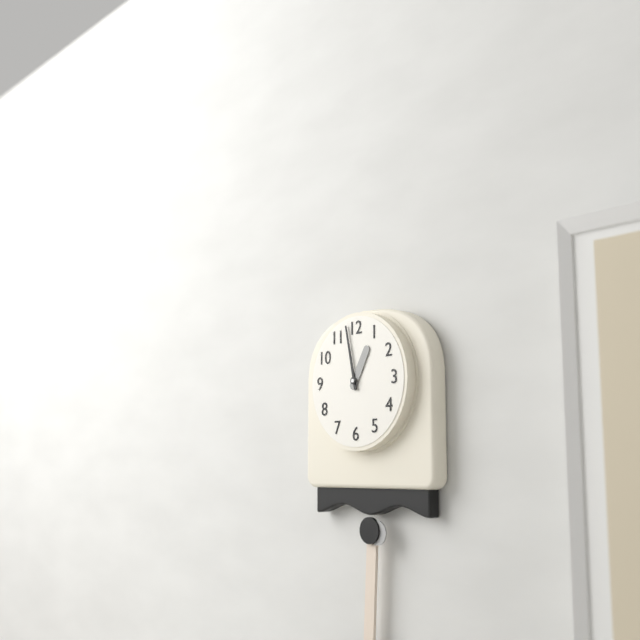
**12:58**
